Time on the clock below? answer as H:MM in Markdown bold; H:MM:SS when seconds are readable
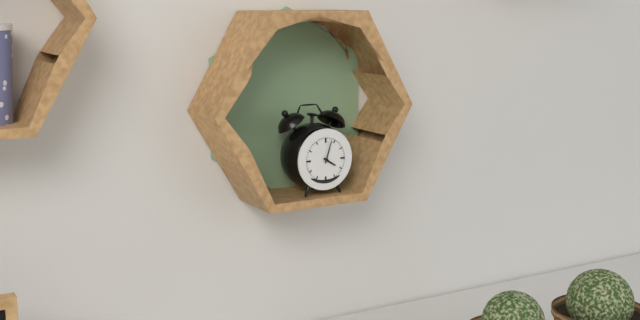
**4:03**
